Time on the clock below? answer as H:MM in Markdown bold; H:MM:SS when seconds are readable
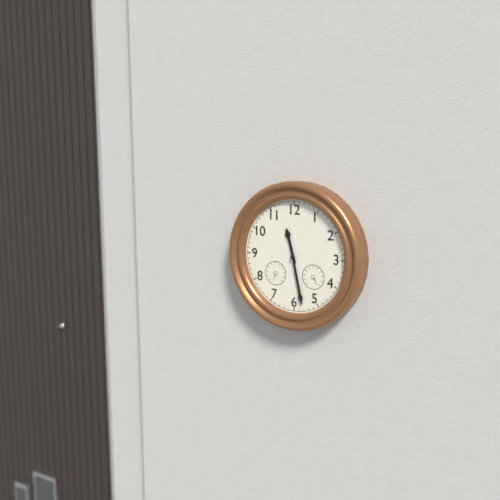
**11:28**
